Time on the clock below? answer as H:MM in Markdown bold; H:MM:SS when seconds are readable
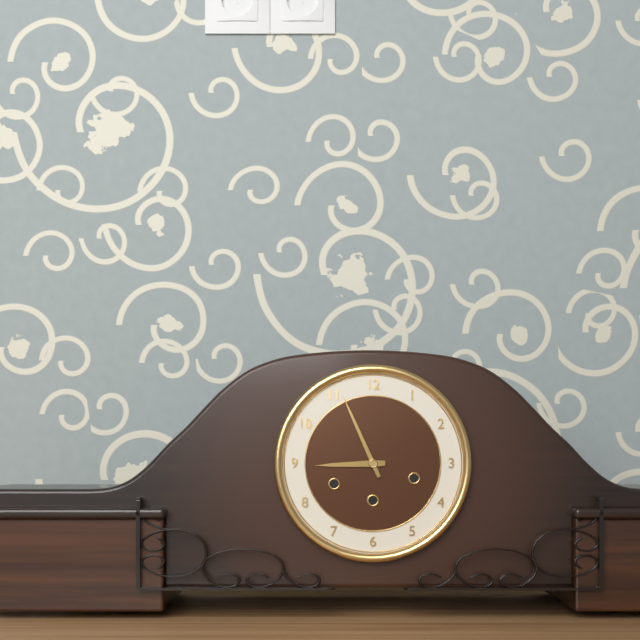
**8:56**
